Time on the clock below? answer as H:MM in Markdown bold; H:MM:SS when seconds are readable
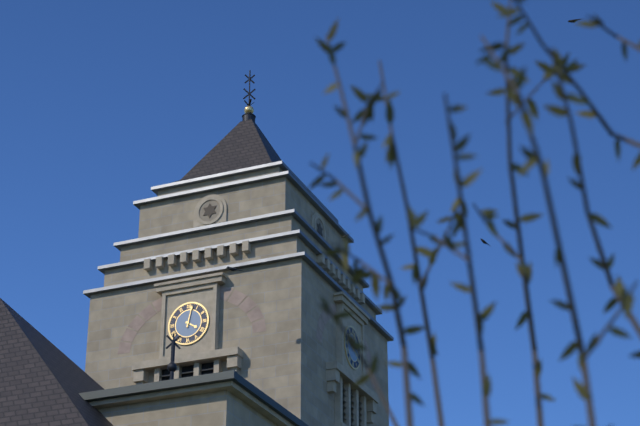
**4:02**
